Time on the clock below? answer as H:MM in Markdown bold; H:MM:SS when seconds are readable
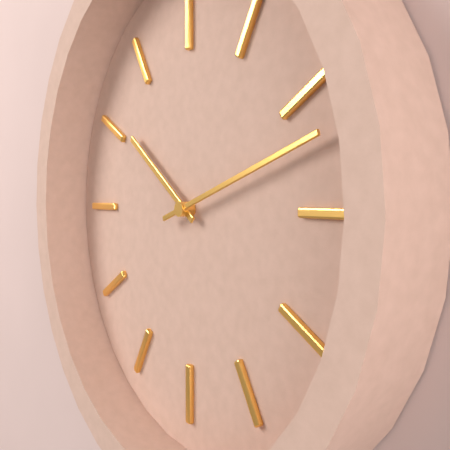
**10:12**
